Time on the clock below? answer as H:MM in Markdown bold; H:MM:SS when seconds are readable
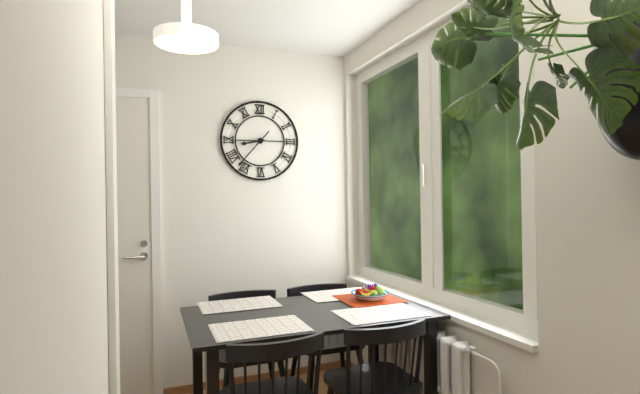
**8:37**
